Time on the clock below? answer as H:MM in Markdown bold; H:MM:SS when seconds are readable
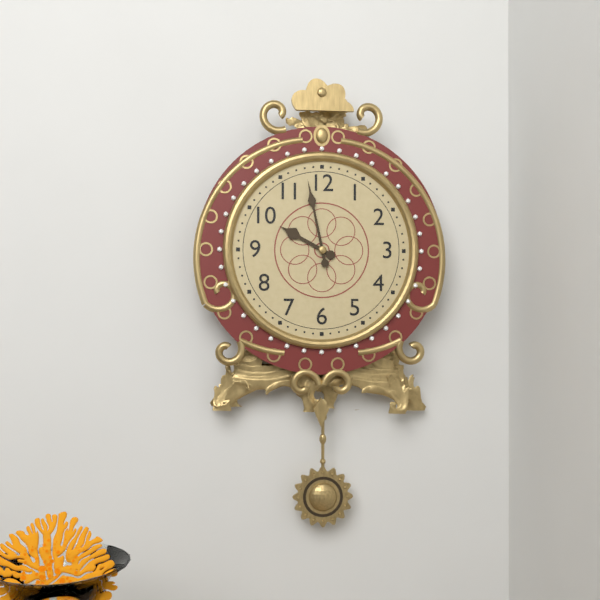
**9:58**
